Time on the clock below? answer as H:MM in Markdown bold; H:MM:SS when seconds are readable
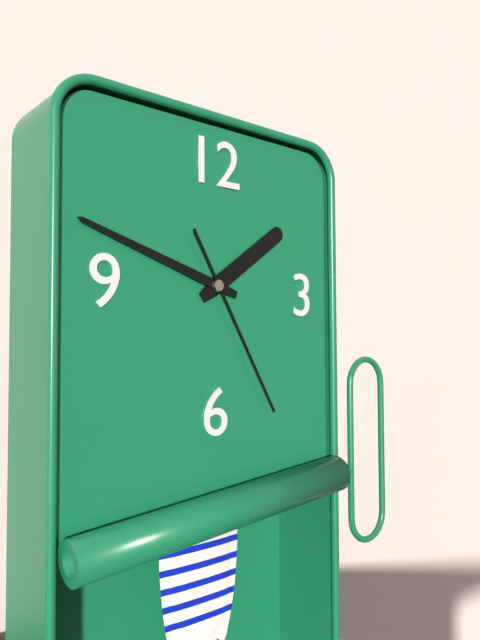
**1:48:25**
